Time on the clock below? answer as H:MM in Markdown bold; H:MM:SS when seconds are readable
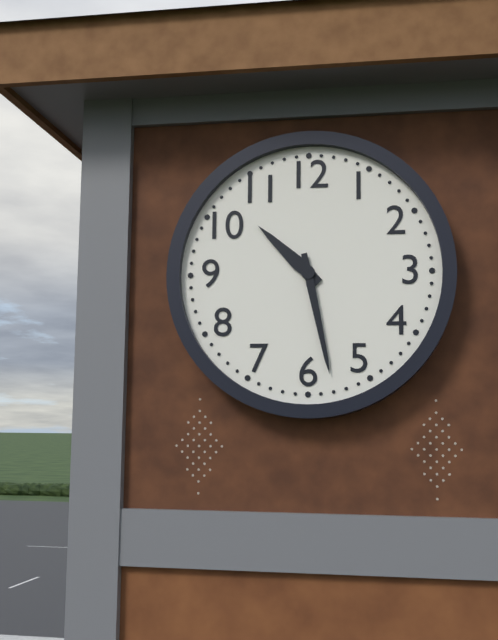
**10:28**
